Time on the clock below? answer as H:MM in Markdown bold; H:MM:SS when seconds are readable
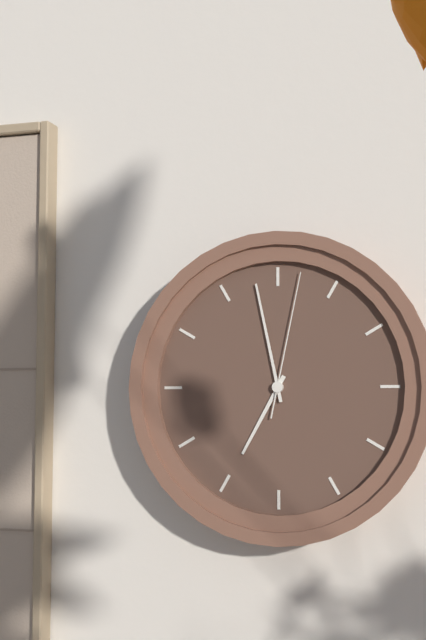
**6:58:02**
